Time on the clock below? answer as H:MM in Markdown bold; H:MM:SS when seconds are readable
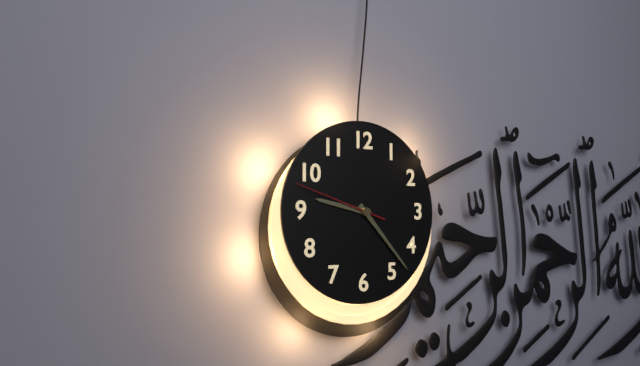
**9:23:48**
